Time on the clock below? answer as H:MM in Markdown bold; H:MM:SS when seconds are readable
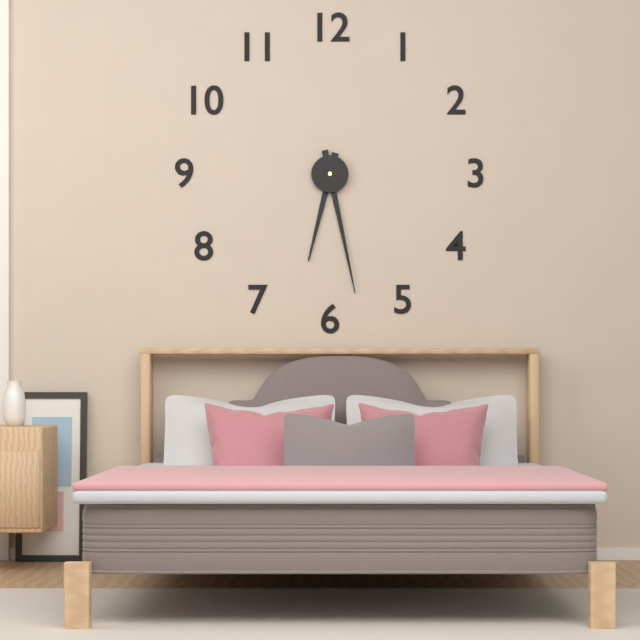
**6:28**
